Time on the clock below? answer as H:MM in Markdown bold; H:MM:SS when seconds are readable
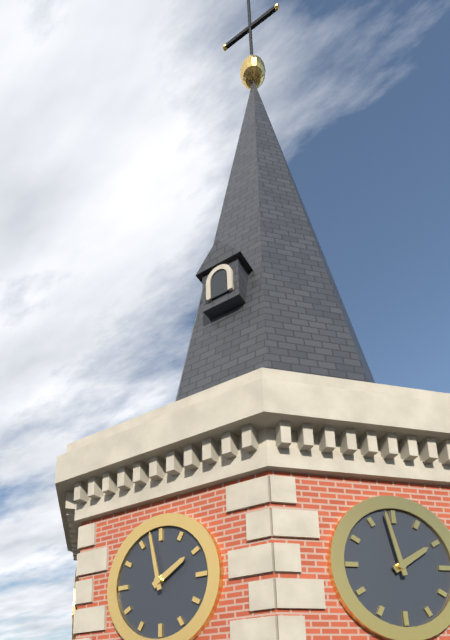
**1:58**
